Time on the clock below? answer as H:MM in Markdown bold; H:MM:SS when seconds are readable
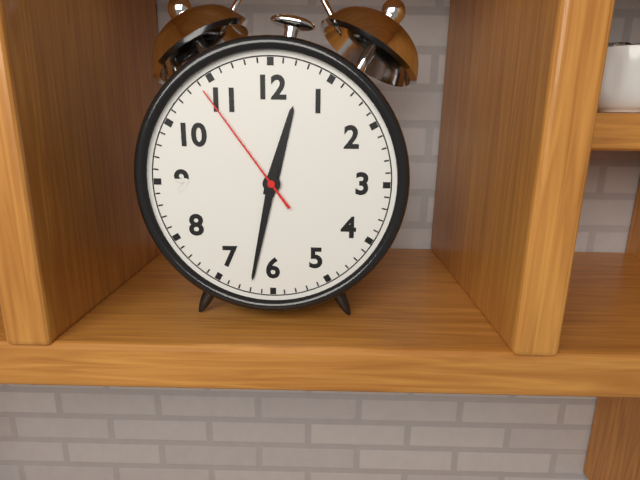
**12:32:54**
